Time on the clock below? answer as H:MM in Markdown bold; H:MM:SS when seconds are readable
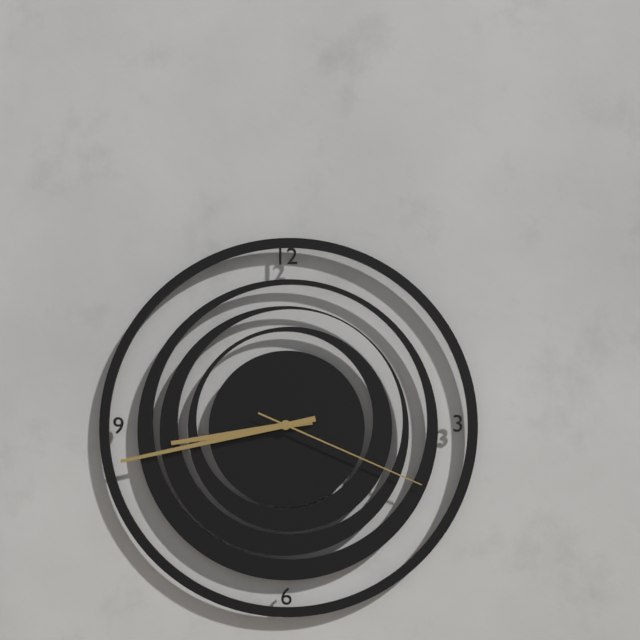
**8:43:19**
